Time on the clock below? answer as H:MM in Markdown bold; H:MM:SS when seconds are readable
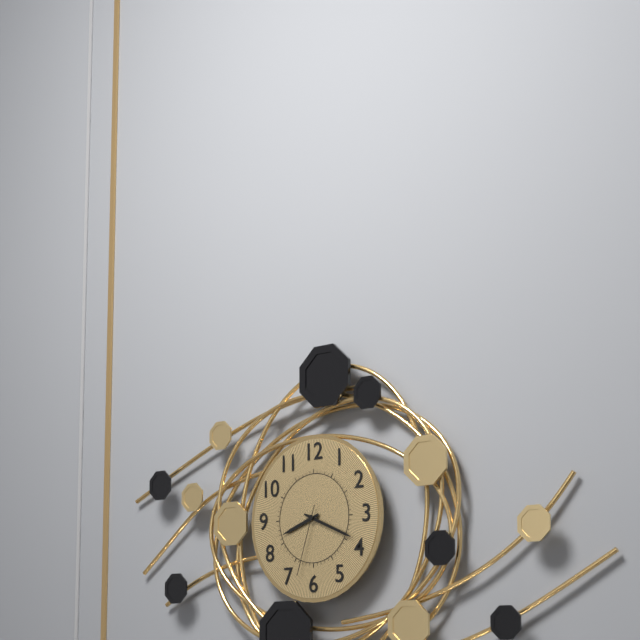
**8:19:33**
